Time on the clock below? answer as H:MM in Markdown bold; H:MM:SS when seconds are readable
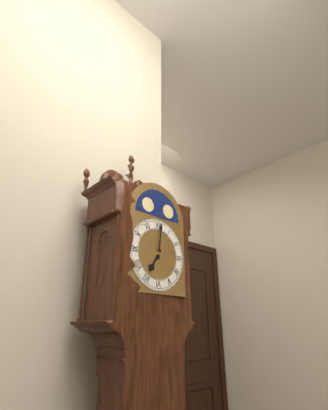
**7:01**
